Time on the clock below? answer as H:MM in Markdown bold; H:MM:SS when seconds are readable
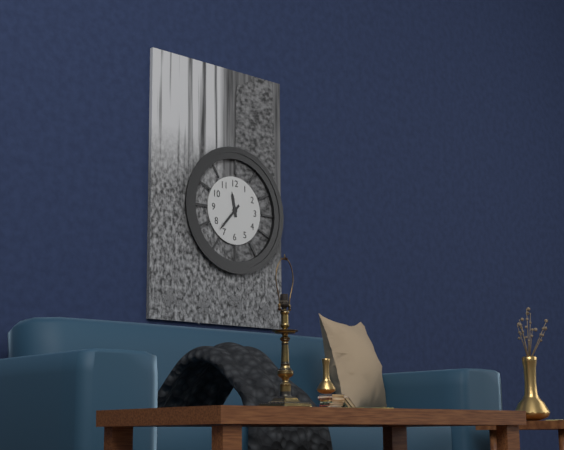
**11:37**
